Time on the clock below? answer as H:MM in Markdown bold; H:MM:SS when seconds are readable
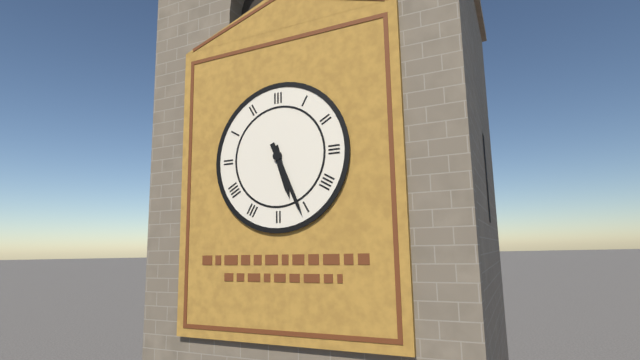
**5:26**
